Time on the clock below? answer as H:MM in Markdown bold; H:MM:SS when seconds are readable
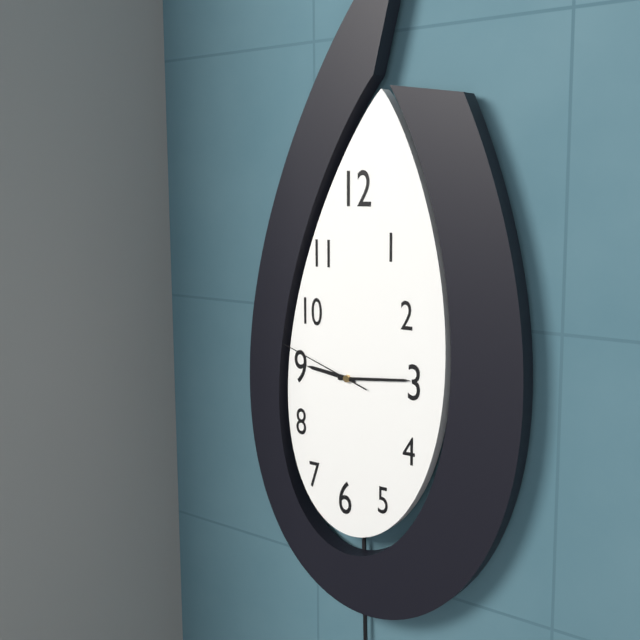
**9:14:48**
